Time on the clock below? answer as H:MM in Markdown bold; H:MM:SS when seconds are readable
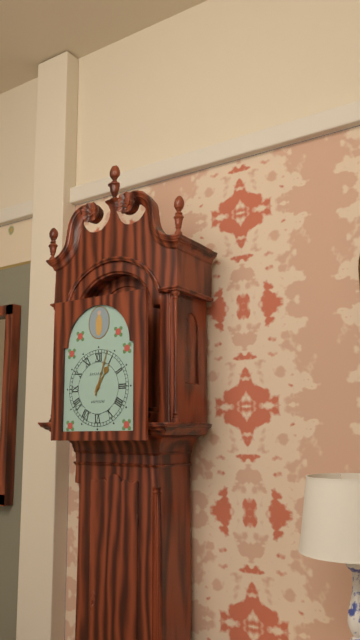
**1:03**
